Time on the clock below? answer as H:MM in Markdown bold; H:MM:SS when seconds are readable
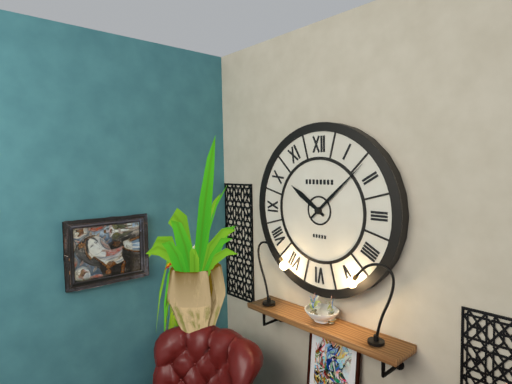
**10:08**
